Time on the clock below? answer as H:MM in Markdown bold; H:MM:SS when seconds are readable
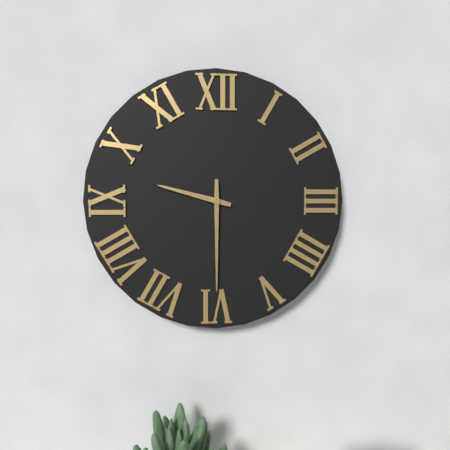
**9:30**
